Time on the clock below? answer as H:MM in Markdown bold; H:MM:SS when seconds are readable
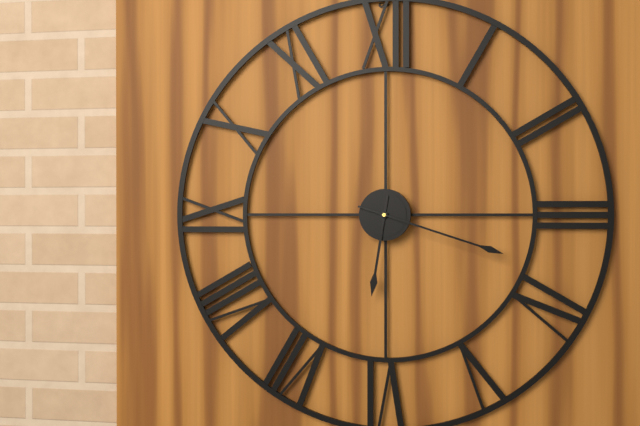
**6:18**
